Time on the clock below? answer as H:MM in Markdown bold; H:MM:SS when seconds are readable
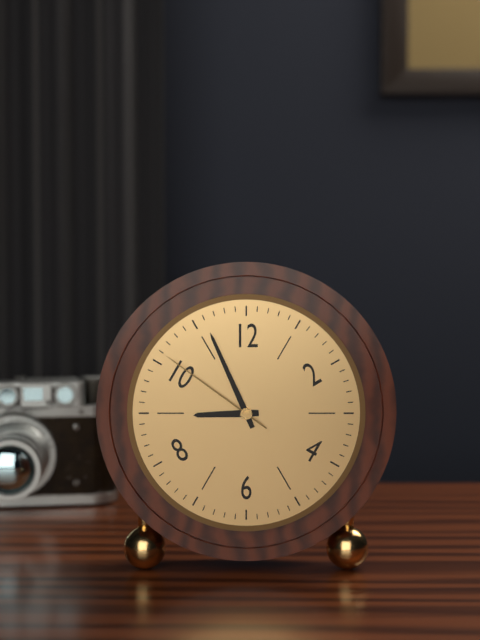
**8:56:51**
